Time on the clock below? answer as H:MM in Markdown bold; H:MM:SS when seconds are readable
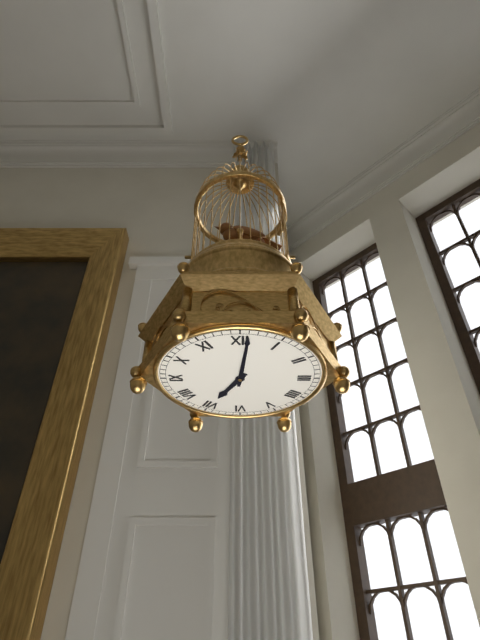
**7:01**
